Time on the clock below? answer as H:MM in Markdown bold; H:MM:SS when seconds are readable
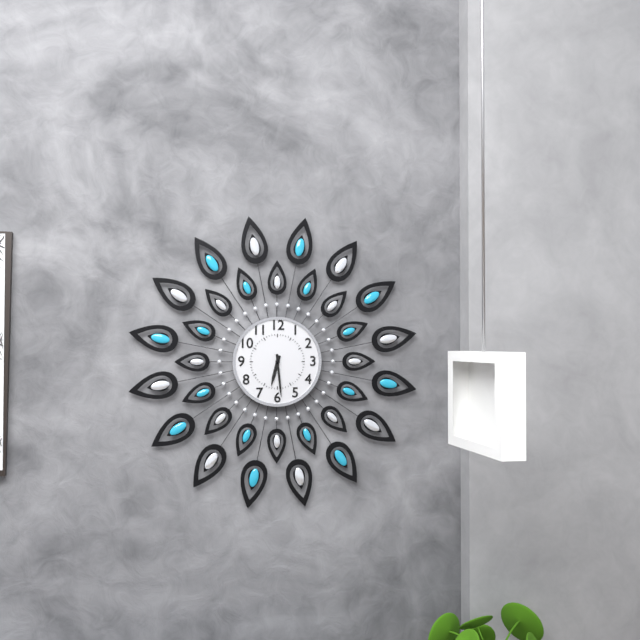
**6:29**
